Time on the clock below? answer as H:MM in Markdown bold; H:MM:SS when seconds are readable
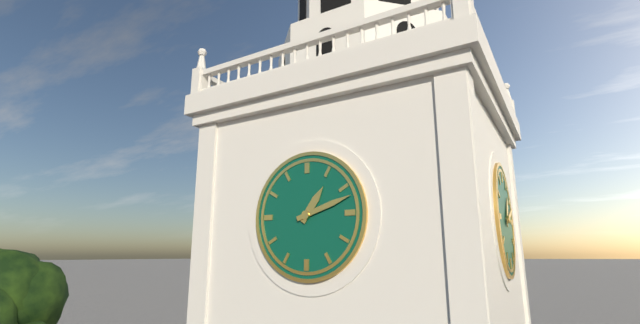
**1:12**
